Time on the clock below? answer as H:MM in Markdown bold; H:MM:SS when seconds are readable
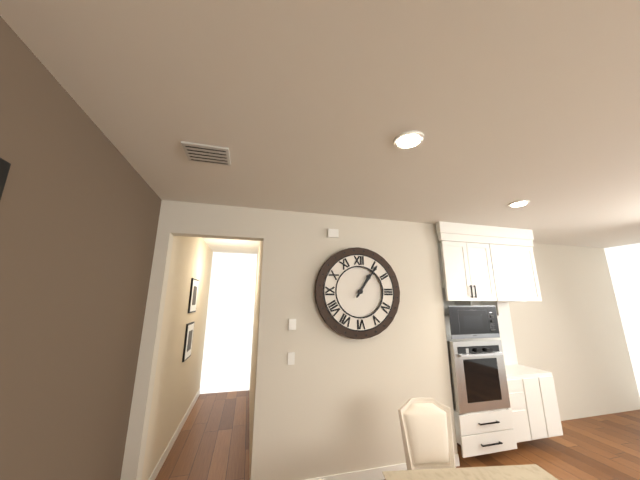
**1:06**
